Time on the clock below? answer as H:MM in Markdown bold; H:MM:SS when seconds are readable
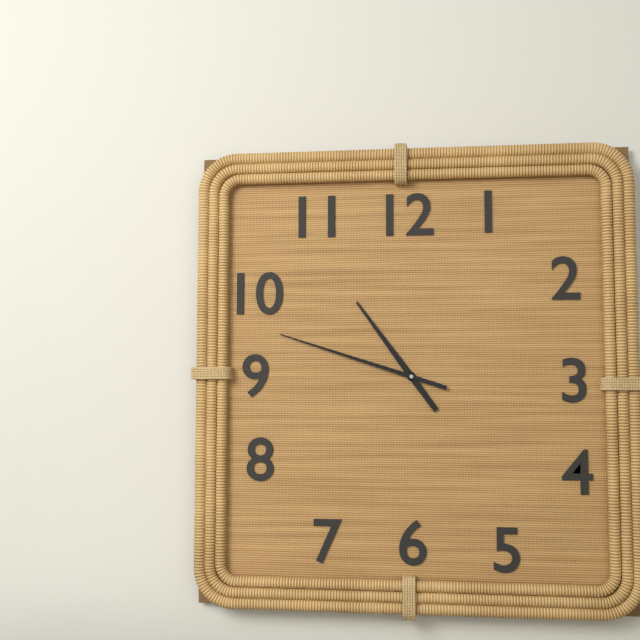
**10:48**
